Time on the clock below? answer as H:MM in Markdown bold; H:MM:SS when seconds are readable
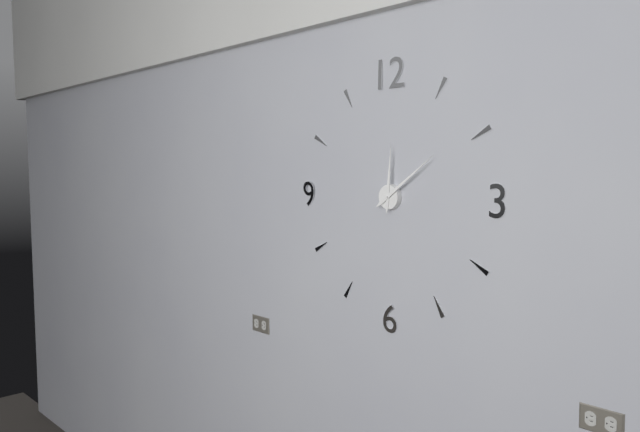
**12:09**
